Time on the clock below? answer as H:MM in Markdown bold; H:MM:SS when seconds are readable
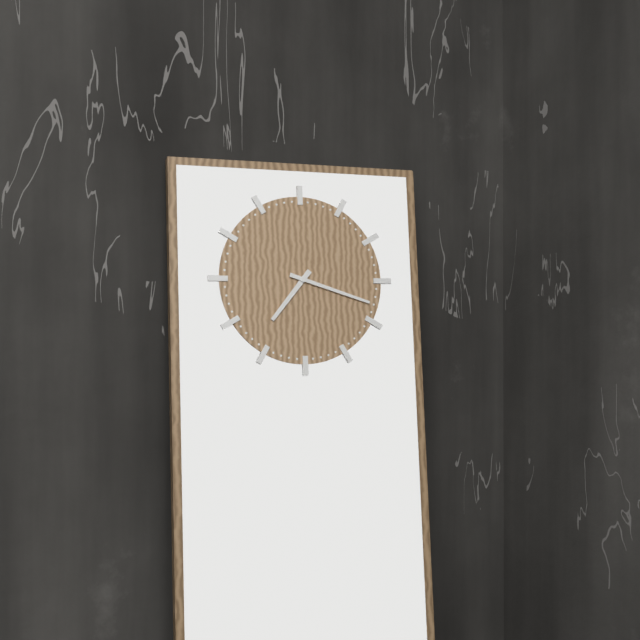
**7:18**
